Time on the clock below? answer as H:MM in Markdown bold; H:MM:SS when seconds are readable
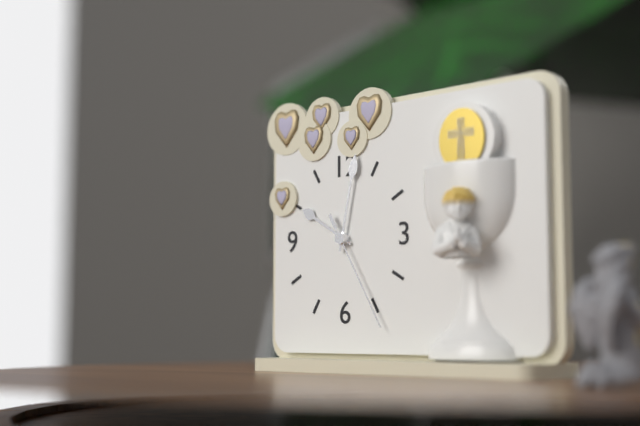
**10:02:25**
